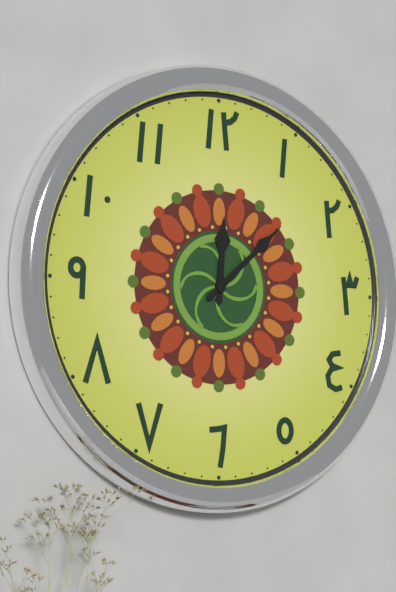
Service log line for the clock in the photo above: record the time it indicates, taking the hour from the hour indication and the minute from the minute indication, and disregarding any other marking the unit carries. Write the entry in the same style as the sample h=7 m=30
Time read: h=12 m=8
